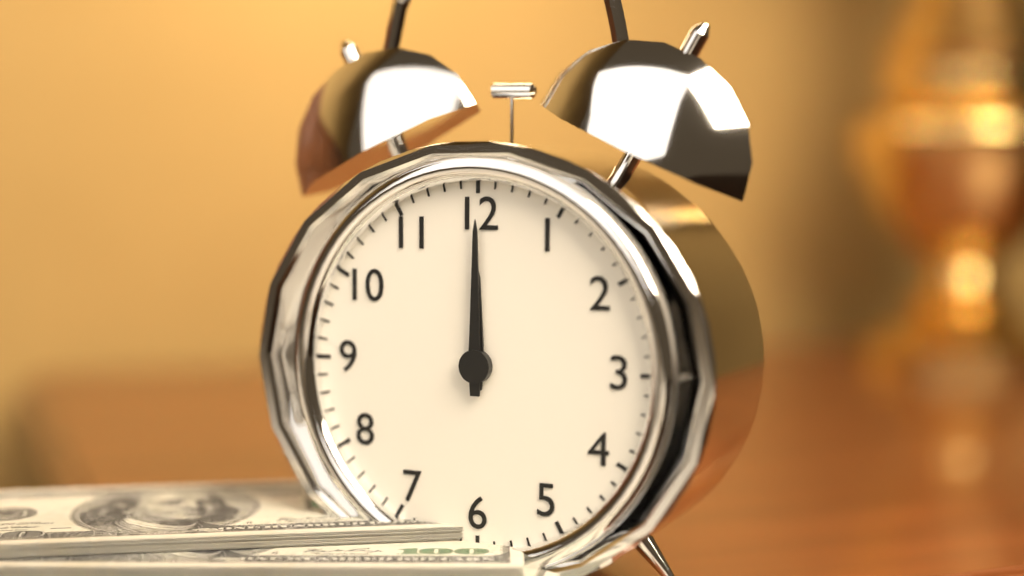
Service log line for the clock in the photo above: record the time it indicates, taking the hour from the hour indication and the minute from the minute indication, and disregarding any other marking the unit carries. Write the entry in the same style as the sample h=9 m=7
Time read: h=12 m=0
